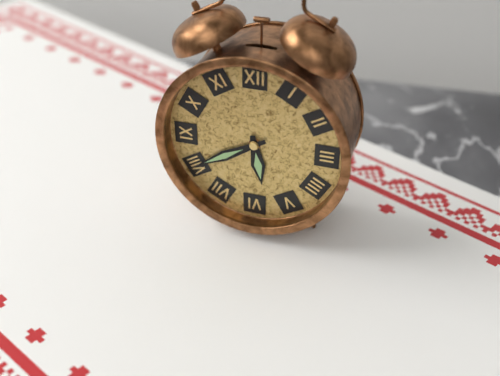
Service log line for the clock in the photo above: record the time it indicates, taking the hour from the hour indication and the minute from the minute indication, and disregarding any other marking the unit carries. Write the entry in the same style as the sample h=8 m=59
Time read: h=5 m=40
